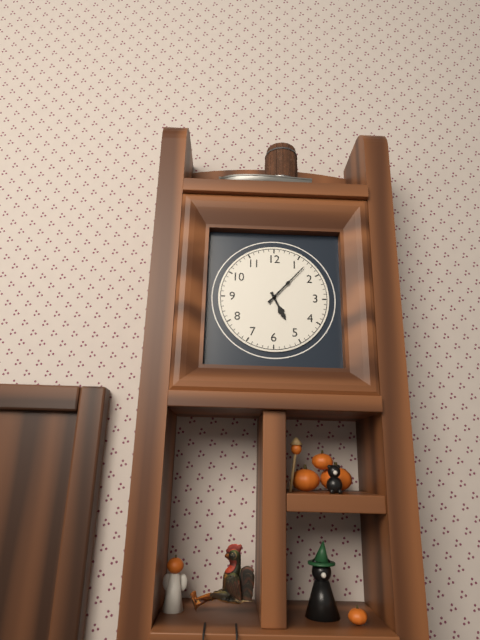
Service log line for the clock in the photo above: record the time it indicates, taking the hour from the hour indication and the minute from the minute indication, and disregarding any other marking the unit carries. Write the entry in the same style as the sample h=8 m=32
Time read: h=5 m=7
